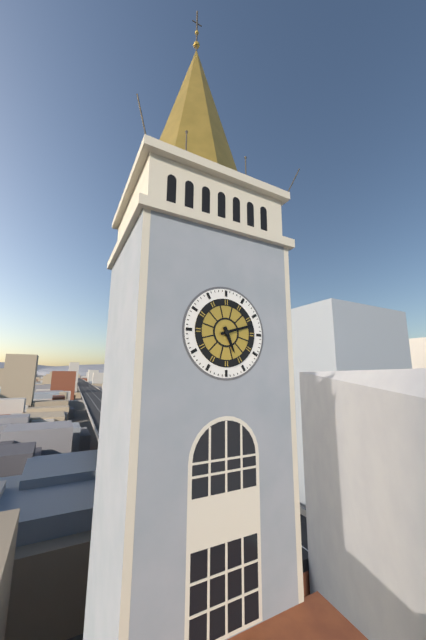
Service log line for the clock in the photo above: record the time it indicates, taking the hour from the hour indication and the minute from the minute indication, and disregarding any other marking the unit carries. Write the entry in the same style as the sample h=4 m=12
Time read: h=5 m=12
